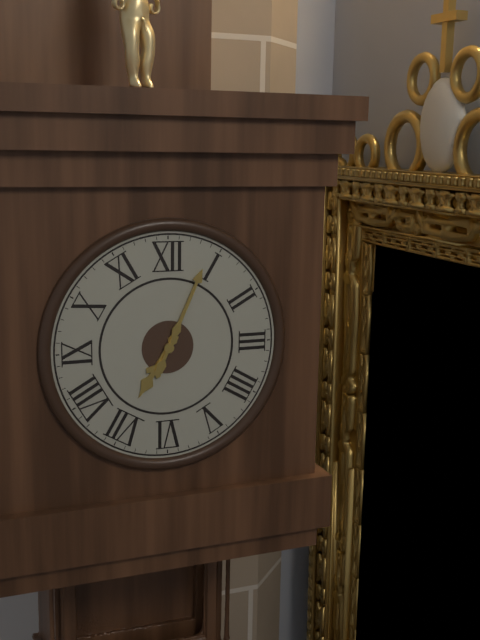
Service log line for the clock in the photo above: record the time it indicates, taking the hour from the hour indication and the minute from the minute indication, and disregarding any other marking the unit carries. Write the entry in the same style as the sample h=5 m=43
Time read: h=7 m=4
